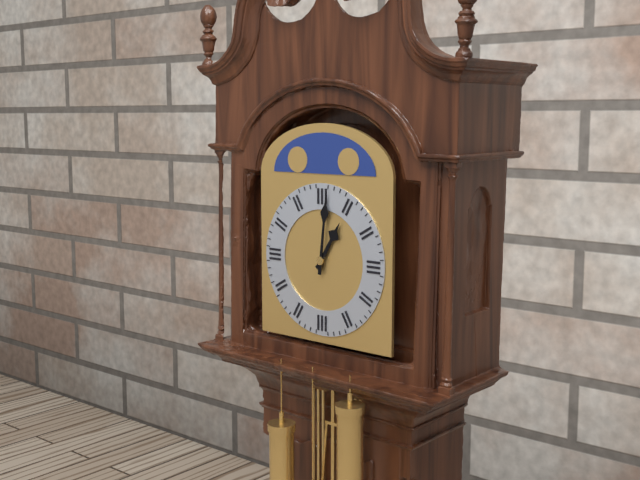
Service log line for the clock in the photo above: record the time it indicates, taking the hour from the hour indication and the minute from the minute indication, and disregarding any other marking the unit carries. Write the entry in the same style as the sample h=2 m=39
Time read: h=1 m=1
